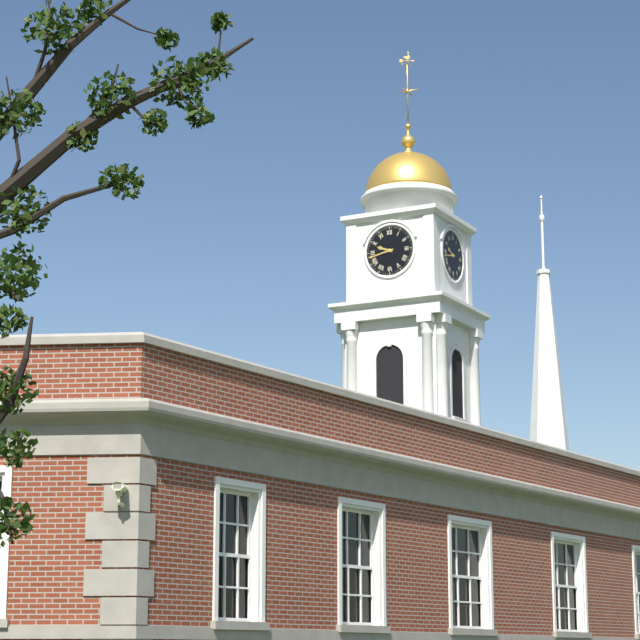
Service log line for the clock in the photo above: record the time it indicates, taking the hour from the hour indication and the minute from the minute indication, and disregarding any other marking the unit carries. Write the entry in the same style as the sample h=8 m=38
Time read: h=9 m=43
